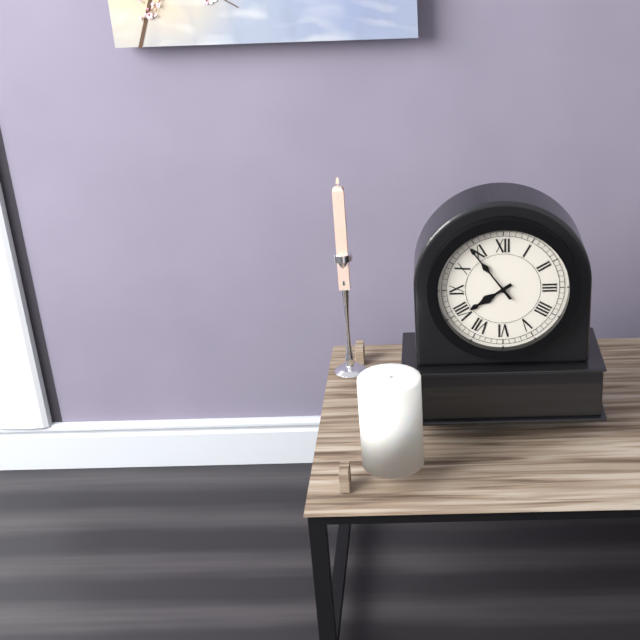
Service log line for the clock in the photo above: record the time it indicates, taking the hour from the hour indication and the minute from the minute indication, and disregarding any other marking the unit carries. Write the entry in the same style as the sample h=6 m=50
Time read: h=7 m=54
